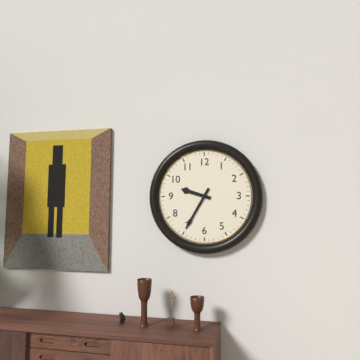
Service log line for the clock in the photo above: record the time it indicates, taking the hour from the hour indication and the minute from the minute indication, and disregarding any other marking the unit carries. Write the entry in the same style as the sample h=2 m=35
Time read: h=9 m=35
